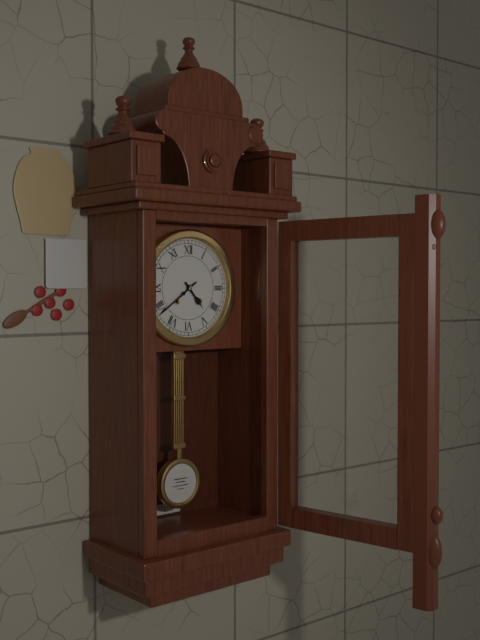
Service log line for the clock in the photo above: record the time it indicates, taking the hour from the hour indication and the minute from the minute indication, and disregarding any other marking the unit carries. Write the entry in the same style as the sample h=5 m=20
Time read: h=4 m=39
